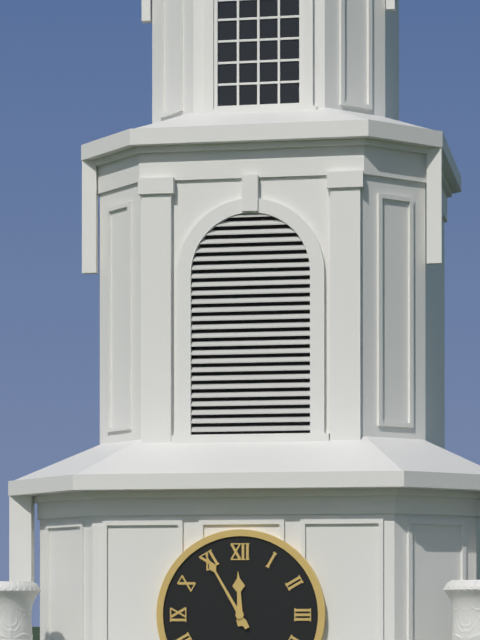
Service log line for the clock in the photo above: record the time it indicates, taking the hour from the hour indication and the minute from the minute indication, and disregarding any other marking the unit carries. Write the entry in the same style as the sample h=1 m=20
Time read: h=11 m=55
